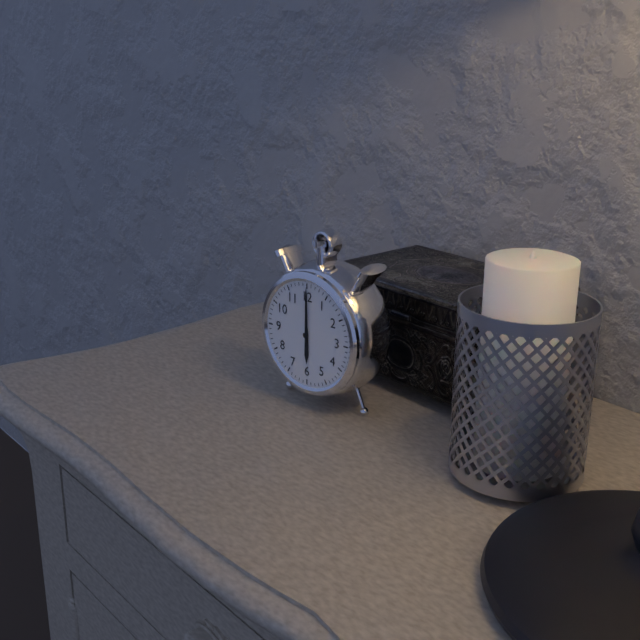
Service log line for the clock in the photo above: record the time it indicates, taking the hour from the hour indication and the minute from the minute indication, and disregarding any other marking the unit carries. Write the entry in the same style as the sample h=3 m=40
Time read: h=6 m=0
